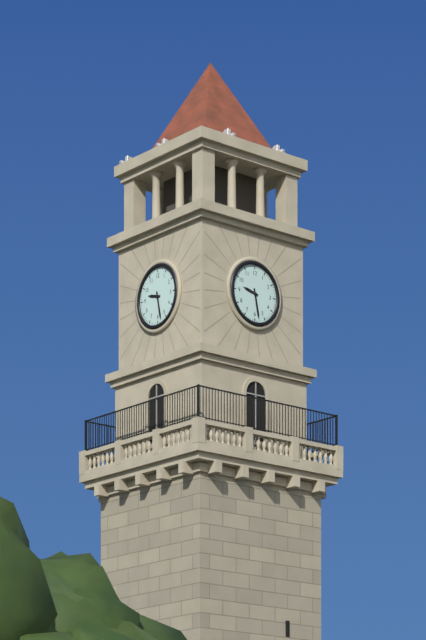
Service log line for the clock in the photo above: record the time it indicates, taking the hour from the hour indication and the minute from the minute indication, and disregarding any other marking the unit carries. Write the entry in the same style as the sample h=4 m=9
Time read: h=9 m=28
